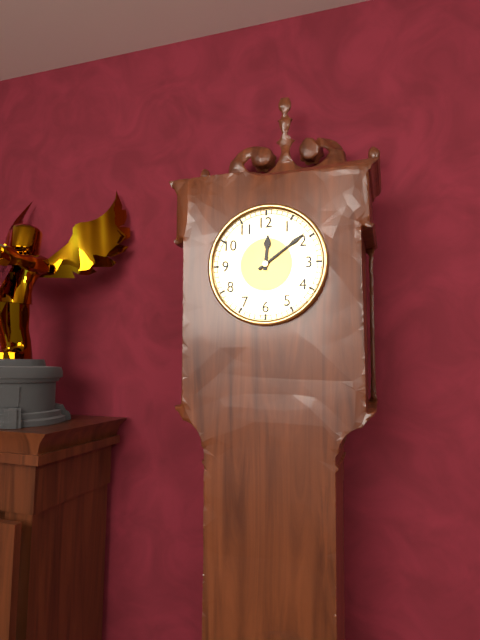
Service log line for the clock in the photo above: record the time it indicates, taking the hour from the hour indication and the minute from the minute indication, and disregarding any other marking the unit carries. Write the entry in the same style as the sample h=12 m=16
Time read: h=12 m=9
